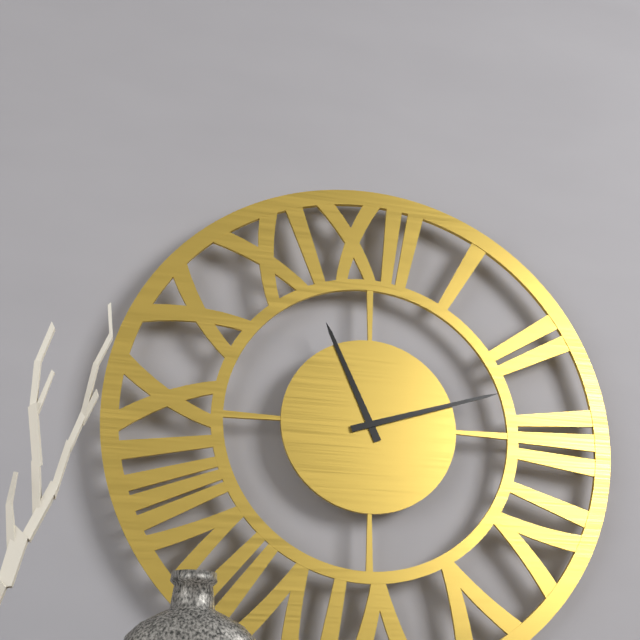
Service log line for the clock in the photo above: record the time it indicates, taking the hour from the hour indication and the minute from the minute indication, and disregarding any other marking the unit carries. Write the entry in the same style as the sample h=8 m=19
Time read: h=11 m=12
